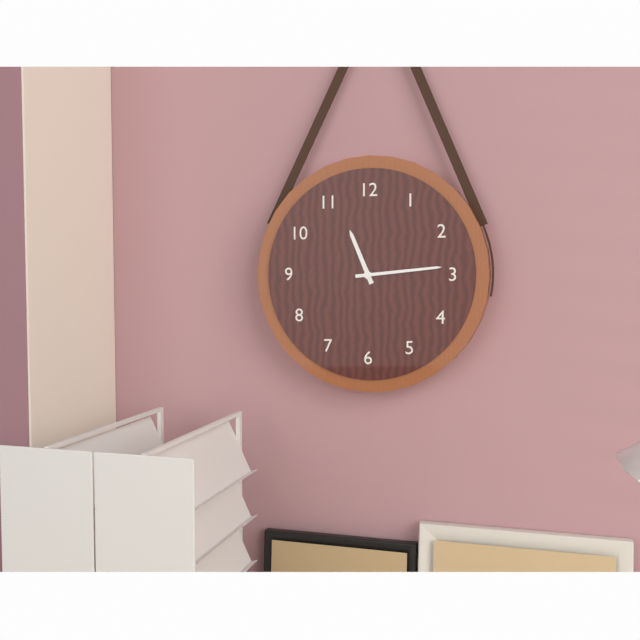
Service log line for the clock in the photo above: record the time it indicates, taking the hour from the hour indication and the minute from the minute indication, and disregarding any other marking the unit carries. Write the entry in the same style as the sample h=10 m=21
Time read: h=11 m=14
